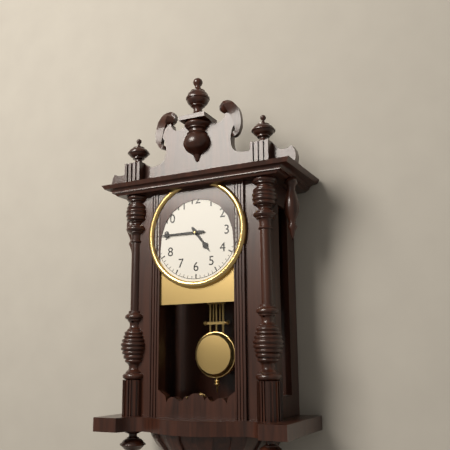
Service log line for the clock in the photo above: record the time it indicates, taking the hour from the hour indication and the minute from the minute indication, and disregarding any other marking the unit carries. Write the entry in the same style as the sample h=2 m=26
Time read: h=4 m=45
